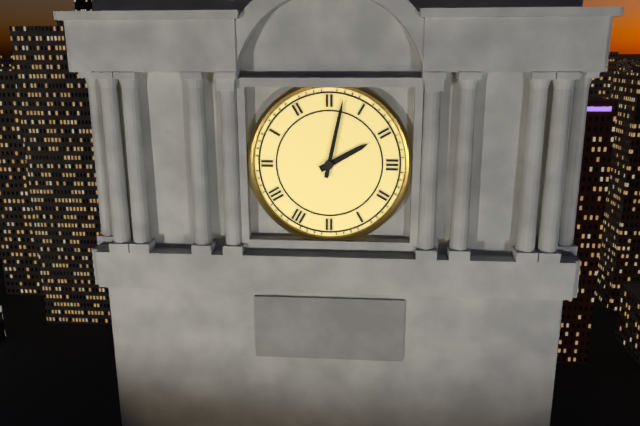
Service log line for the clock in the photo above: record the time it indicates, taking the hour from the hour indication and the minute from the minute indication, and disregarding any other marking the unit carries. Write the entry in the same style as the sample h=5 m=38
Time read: h=2 m=2
